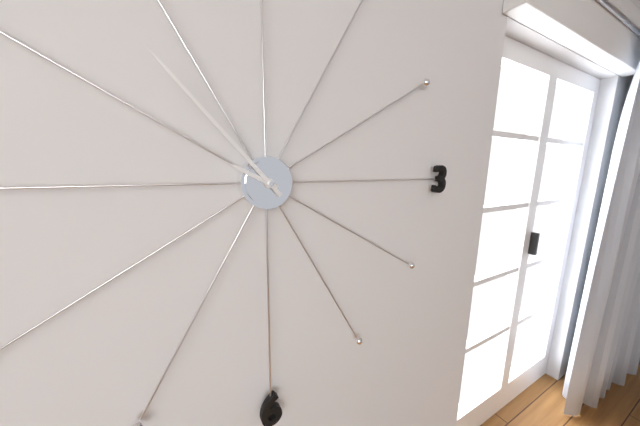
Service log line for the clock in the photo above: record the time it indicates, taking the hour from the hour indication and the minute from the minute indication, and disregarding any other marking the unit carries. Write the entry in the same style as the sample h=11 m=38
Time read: h=9 m=53
